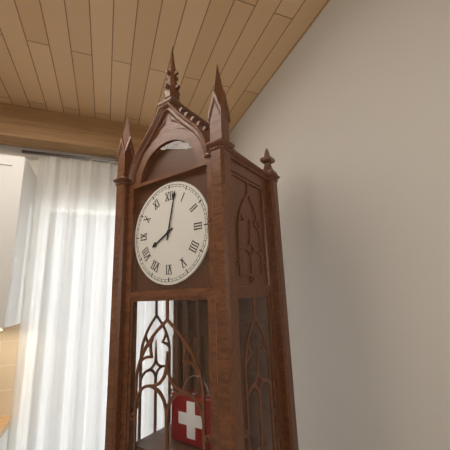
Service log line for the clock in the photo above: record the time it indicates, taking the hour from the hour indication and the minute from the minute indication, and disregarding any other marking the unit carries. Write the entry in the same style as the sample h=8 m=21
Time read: h=8 m=2
